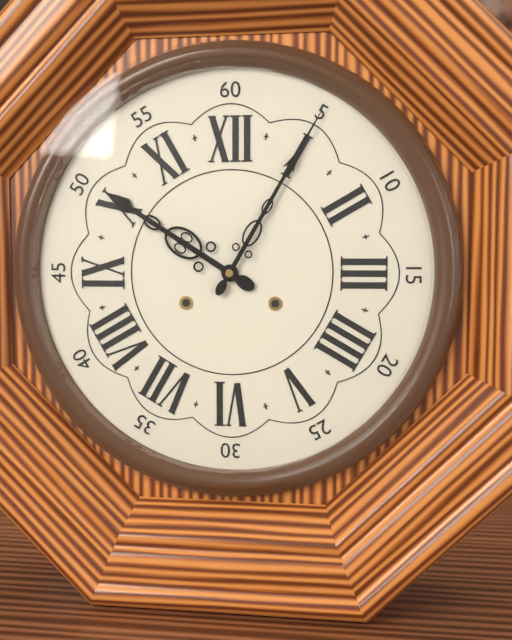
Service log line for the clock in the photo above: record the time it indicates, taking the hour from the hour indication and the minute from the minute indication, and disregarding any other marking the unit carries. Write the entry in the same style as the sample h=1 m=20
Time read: h=10 m=5
